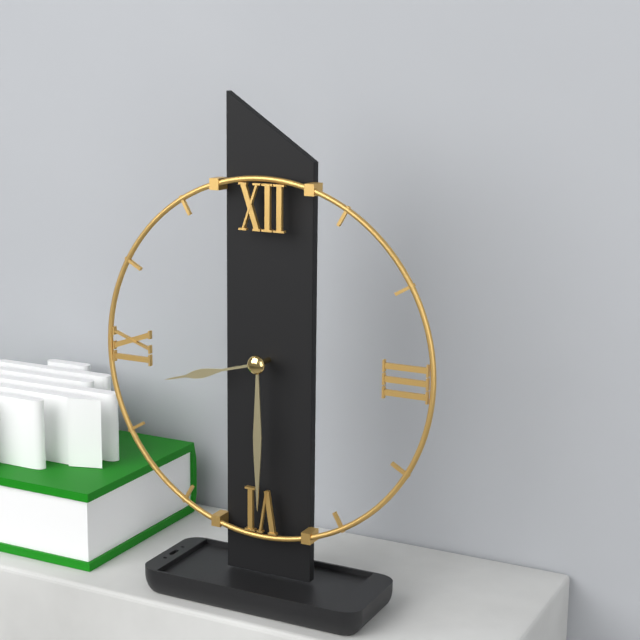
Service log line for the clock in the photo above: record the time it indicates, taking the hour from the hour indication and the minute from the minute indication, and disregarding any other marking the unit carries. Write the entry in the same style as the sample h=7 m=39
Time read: h=8 m=30
